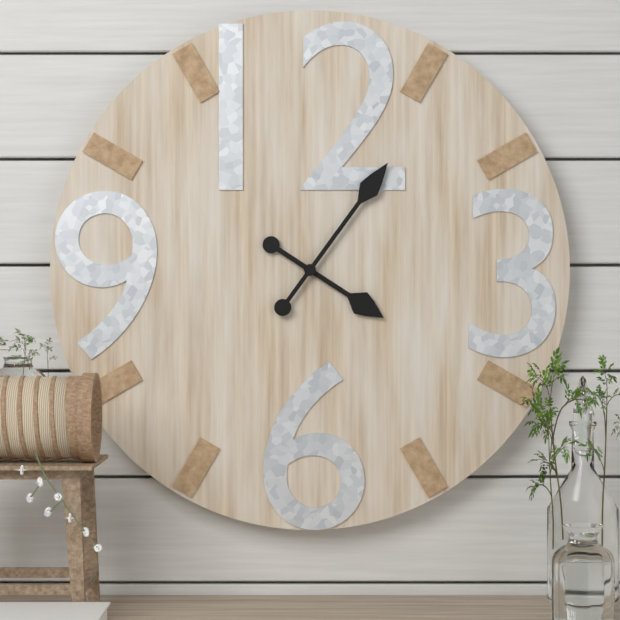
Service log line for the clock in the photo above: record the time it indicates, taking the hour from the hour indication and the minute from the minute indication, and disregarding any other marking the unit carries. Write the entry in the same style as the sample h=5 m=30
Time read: h=4 m=6
